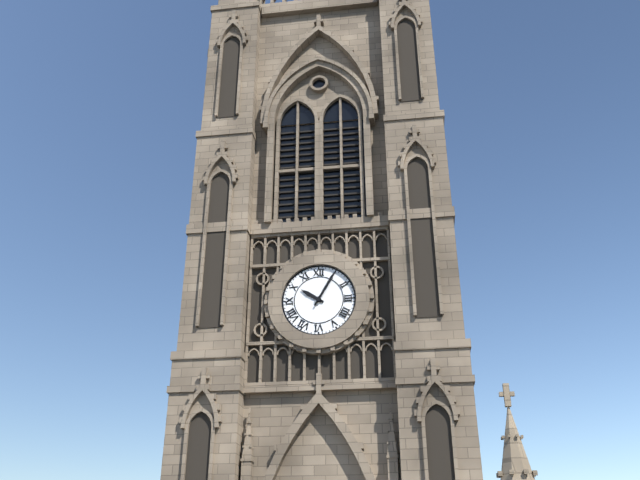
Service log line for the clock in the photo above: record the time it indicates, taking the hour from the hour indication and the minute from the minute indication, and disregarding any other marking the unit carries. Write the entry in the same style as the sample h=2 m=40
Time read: h=10 m=5
